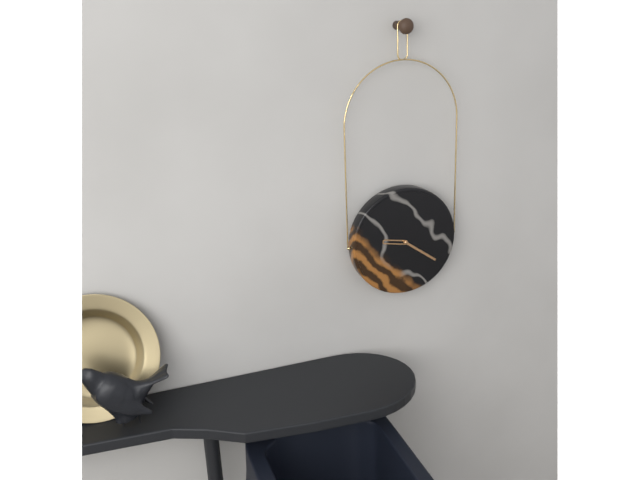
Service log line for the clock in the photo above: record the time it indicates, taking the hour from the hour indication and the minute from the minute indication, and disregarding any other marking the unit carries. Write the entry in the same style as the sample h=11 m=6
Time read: h=9 m=21
